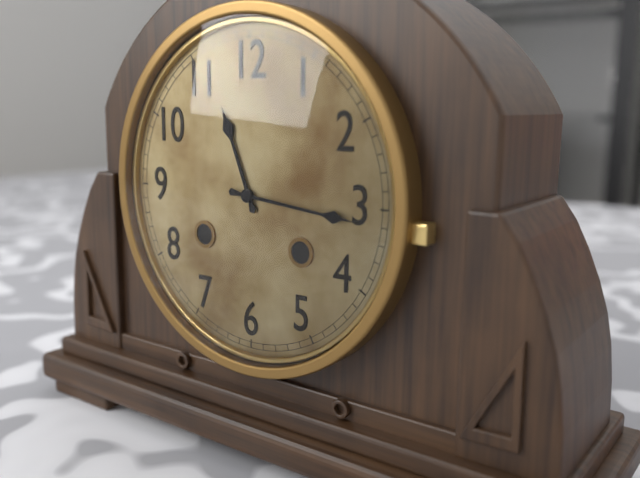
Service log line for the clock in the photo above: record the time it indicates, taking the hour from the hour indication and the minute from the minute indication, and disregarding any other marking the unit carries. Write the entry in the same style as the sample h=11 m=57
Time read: h=11 m=16
